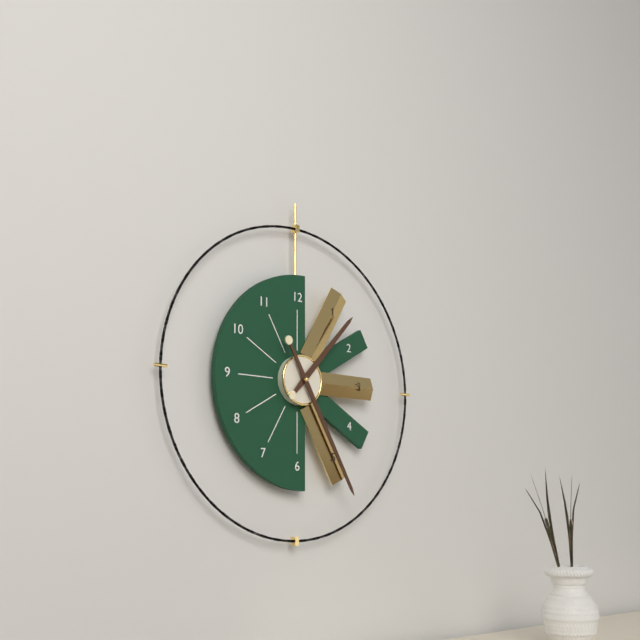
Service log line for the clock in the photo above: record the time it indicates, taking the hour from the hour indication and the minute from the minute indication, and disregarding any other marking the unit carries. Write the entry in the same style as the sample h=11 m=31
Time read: h=1 m=25
